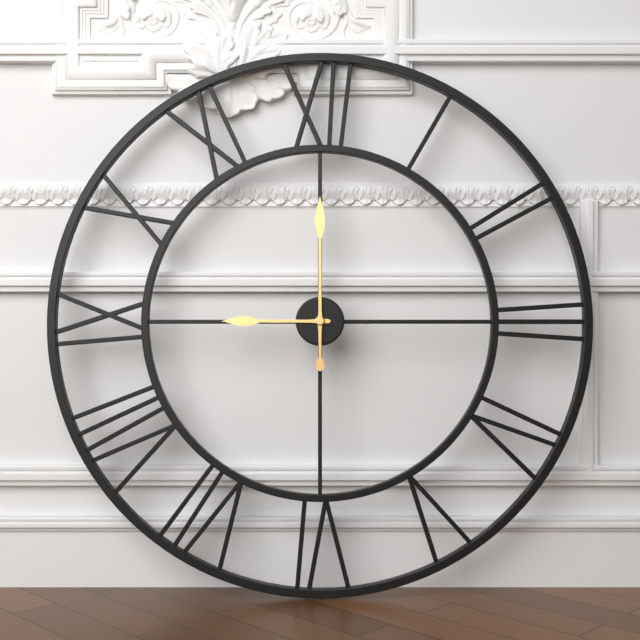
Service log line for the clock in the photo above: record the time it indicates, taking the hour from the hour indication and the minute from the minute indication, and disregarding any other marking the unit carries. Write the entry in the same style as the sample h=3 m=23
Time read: h=9 m=0
